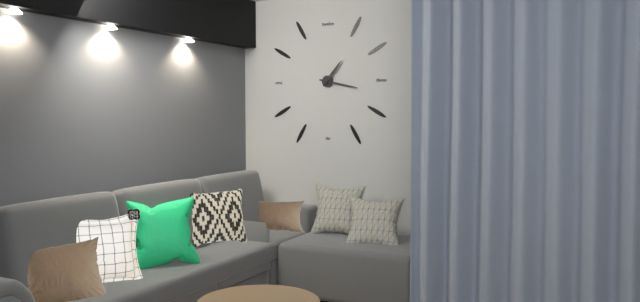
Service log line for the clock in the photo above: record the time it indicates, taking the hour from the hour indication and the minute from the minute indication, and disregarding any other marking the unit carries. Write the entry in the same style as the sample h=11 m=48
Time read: h=1 m=17
